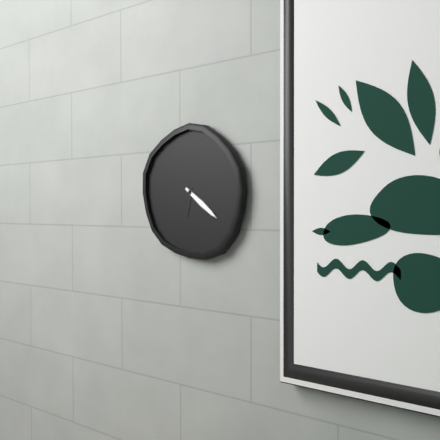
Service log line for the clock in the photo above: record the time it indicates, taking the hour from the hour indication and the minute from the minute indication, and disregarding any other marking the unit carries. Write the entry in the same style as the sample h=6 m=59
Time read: h=6 m=21
